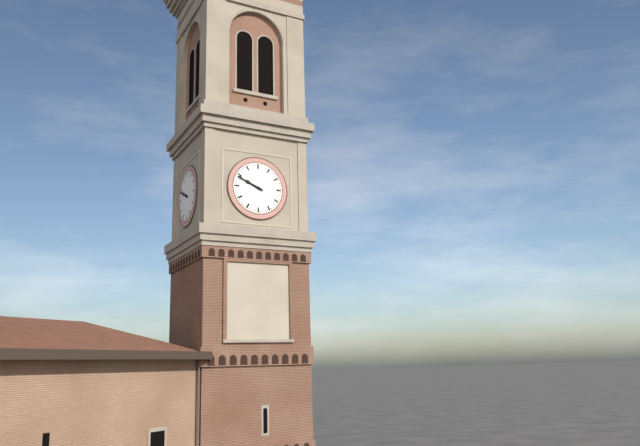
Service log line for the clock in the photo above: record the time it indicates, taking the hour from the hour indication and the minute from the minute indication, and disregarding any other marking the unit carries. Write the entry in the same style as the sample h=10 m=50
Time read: h=9 m=49
